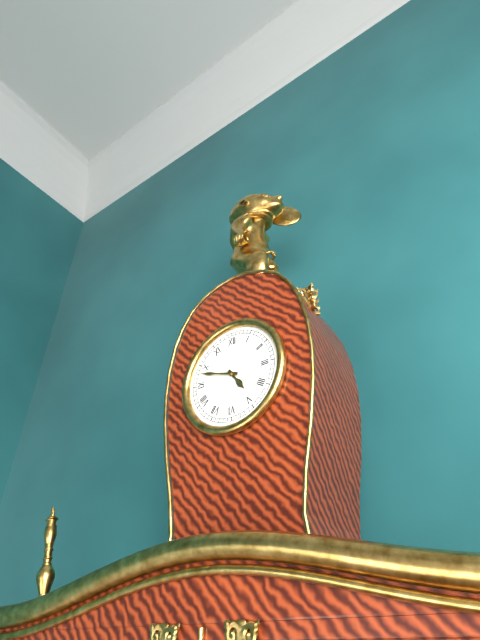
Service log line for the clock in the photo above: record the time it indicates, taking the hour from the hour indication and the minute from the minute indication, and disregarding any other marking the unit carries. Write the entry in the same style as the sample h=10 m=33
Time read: h=4 m=48
